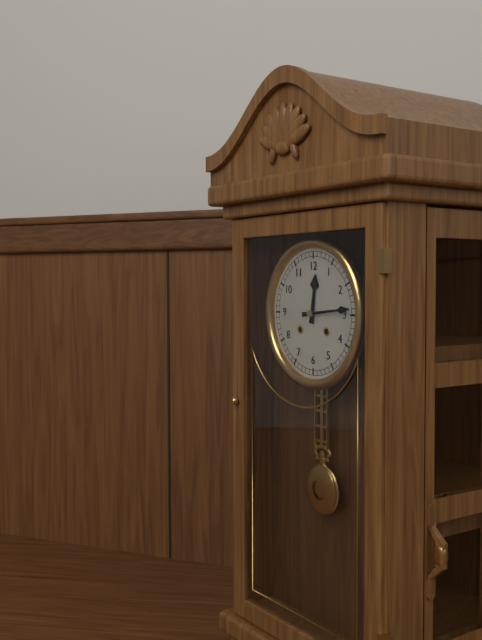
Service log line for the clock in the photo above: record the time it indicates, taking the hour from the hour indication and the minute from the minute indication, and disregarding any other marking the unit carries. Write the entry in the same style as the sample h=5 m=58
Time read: h=12 m=14
